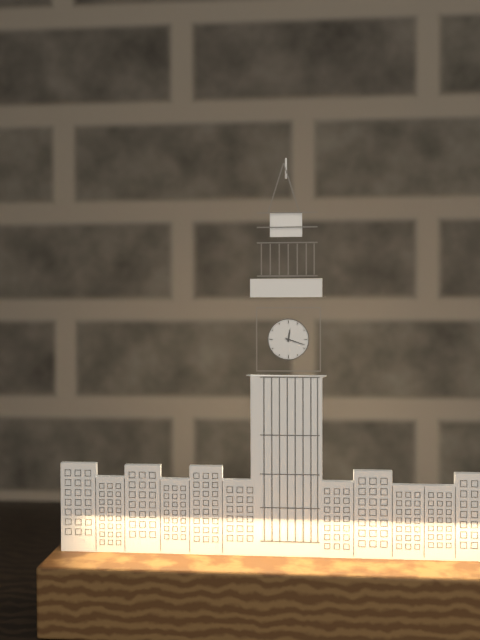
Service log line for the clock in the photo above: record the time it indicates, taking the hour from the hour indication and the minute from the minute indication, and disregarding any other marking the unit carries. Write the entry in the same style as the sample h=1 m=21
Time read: h=12 m=18
